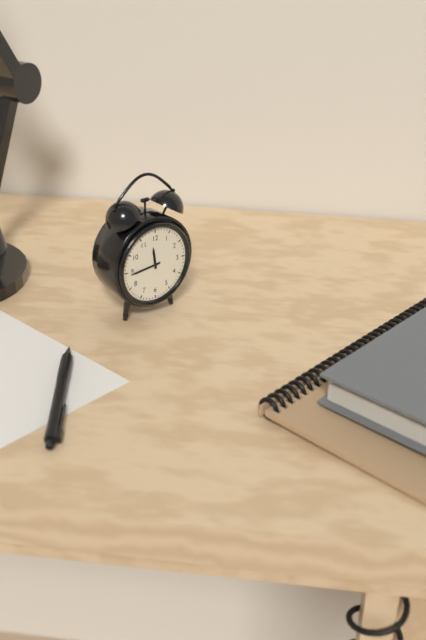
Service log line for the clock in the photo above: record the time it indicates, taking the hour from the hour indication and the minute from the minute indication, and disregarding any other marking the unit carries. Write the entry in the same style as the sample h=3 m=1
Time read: h=11 m=44
